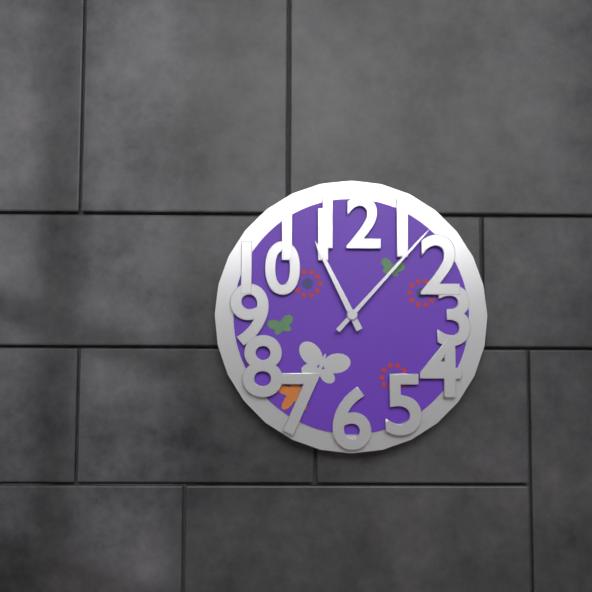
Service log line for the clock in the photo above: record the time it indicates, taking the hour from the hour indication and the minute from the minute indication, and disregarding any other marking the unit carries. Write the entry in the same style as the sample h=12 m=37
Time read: h=11 m=7
